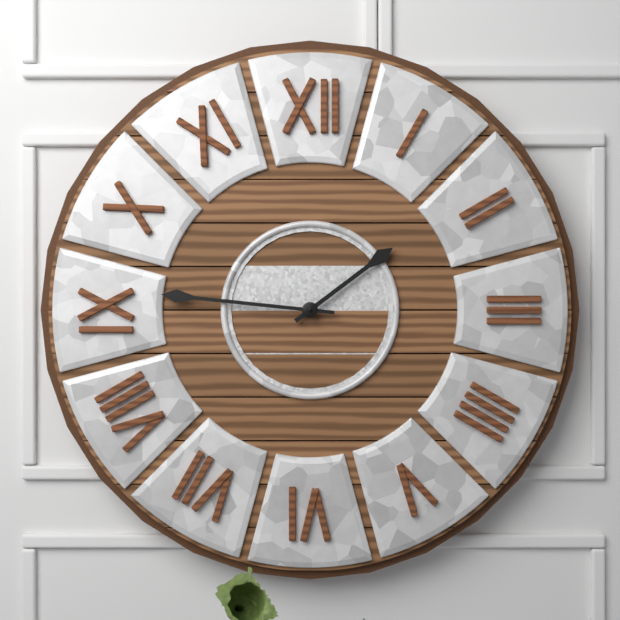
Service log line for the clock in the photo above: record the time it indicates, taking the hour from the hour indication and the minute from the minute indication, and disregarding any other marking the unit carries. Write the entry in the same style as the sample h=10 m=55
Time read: h=1 m=46
